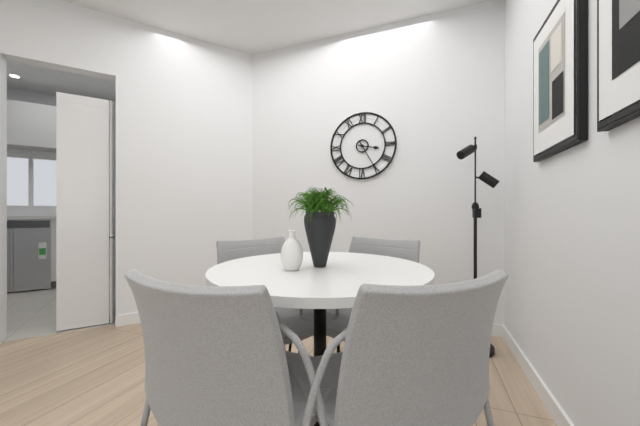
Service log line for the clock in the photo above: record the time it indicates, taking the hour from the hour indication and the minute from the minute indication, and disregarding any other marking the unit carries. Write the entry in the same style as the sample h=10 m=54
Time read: h=3 m=25
